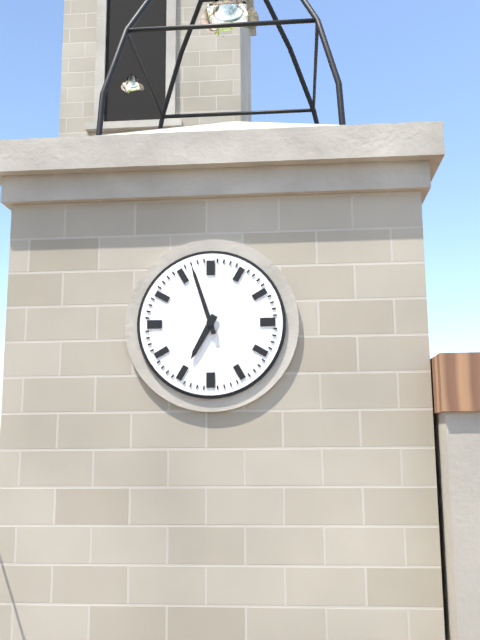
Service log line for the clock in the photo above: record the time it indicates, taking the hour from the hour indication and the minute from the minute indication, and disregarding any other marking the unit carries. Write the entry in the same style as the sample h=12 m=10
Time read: h=6 m=57
